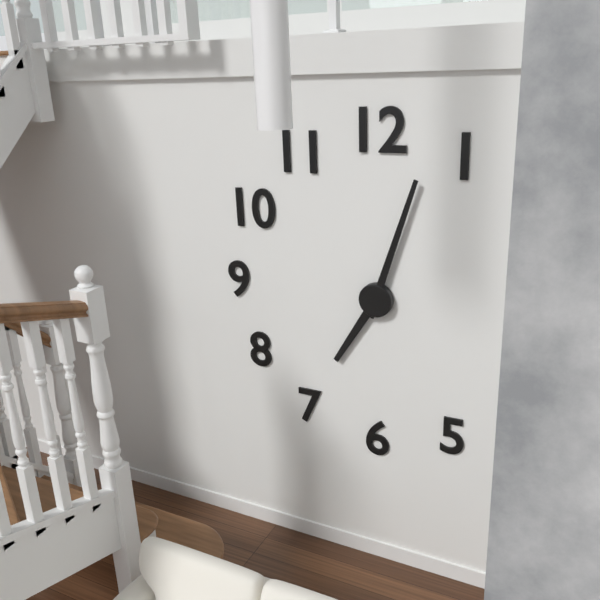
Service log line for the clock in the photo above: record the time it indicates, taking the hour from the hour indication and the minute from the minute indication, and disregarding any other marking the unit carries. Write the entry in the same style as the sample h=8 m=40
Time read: h=7 m=3
